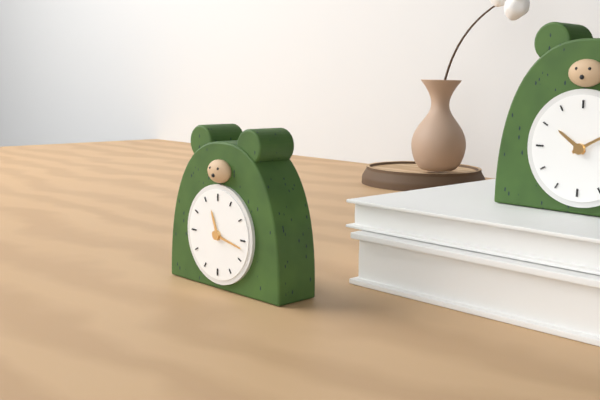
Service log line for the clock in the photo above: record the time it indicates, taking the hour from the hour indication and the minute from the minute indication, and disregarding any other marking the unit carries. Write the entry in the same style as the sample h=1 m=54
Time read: h=11 m=17
